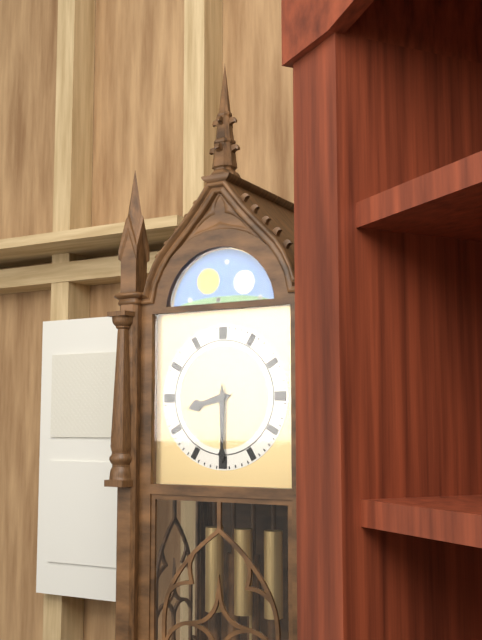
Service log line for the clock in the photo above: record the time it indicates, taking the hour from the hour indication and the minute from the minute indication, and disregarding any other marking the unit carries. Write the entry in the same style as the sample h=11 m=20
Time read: h=8 m=30
